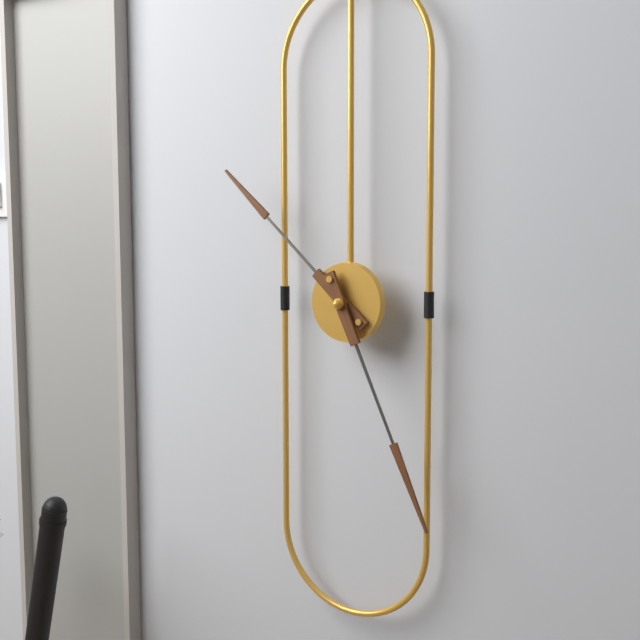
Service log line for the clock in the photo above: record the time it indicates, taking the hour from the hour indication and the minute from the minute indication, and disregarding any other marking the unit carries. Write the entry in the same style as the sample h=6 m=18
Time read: h=10 m=26
